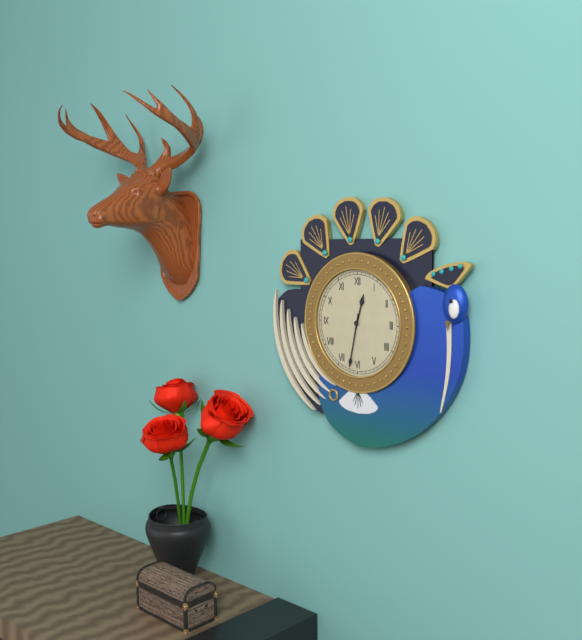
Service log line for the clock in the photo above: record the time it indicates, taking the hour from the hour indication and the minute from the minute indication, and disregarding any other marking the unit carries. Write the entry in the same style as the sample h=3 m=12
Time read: h=12 m=32
